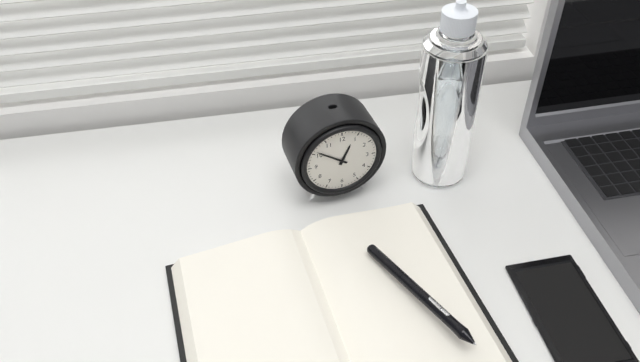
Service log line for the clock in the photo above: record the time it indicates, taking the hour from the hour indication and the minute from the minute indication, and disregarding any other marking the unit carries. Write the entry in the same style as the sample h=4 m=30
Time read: h=12 m=51
